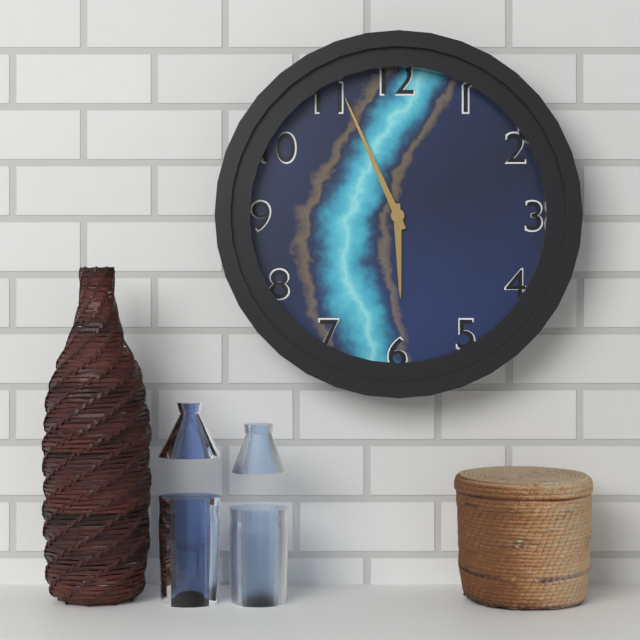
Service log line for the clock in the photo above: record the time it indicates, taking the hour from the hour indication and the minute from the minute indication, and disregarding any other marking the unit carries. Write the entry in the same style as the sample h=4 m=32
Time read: h=5 m=56
